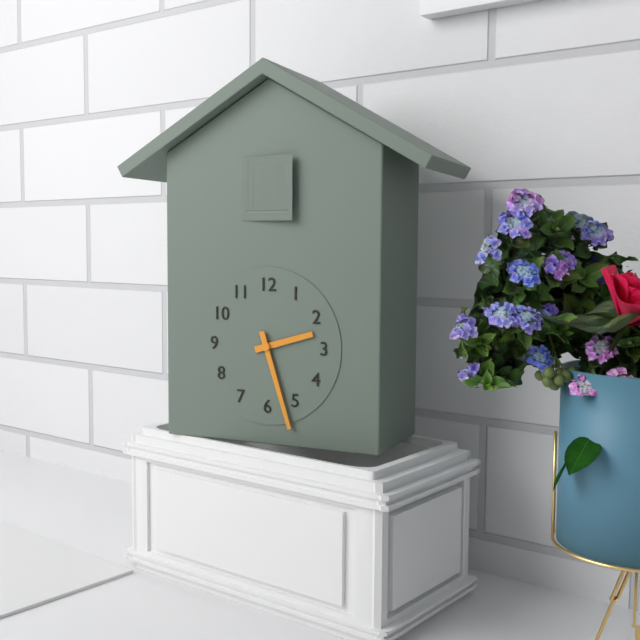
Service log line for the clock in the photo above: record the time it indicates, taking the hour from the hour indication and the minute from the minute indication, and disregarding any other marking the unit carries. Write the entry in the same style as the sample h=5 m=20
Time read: h=2 m=27
